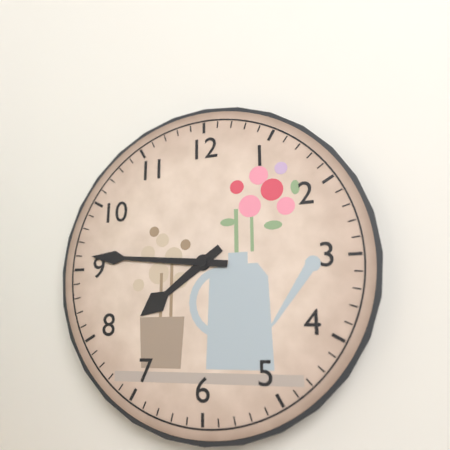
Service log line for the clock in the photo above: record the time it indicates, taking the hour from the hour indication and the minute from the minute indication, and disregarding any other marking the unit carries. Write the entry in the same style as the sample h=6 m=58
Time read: h=7 m=46
